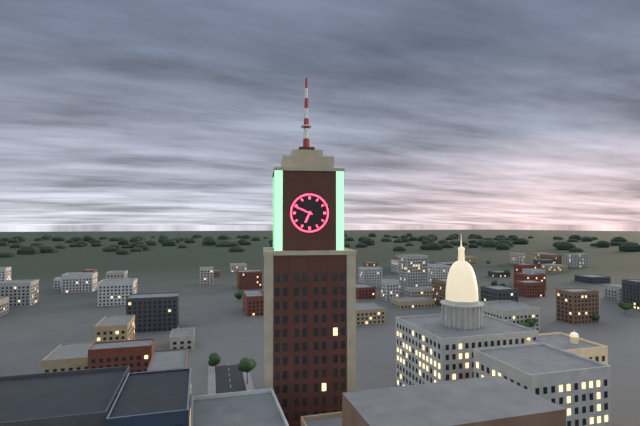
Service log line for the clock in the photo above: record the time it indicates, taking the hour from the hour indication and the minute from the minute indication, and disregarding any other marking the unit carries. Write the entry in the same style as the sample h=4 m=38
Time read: h=6 m=49
